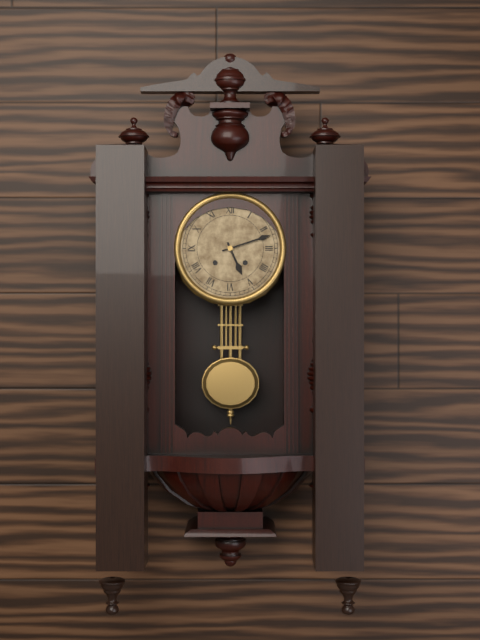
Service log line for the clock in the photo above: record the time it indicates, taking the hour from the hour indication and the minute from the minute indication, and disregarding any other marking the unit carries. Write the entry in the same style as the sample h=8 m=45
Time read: h=5 m=12
